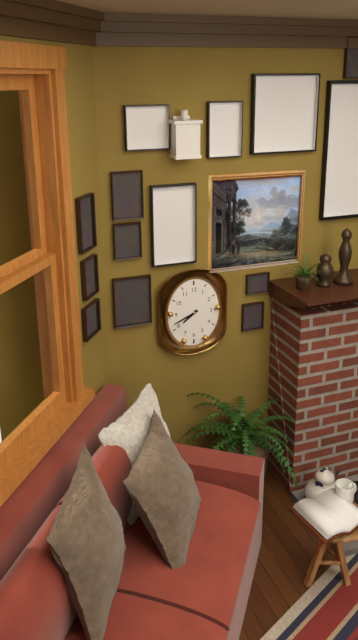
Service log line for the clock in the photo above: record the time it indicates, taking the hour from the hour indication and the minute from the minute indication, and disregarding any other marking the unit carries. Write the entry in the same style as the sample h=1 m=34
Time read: h=7 m=41
